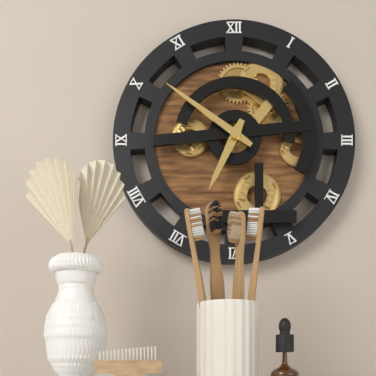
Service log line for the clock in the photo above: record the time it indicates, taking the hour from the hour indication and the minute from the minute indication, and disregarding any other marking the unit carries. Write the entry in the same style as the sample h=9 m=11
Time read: h=6 m=51
